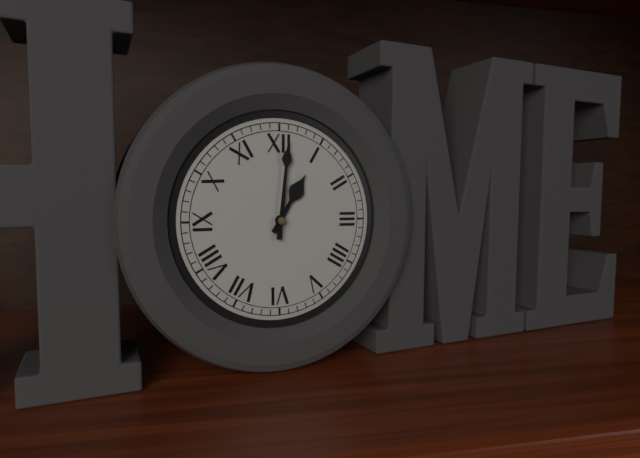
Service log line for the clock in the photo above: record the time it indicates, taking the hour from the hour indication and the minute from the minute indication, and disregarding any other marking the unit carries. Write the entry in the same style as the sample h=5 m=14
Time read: h=1 m=1
